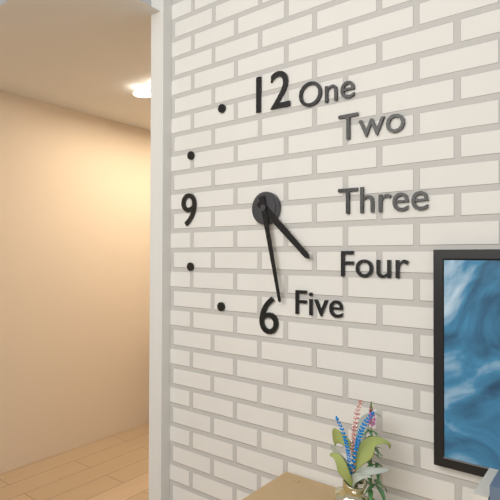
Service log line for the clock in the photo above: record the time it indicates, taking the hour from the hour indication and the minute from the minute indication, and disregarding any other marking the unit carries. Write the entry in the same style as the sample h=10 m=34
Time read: h=4 m=28
